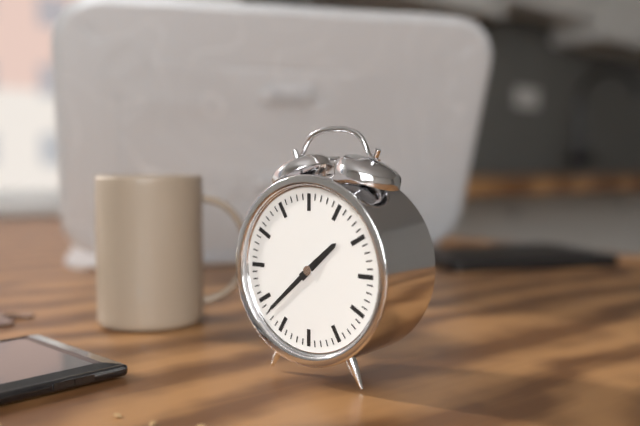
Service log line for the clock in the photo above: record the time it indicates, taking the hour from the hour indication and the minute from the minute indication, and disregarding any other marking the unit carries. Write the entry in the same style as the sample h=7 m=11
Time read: h=1 m=38
